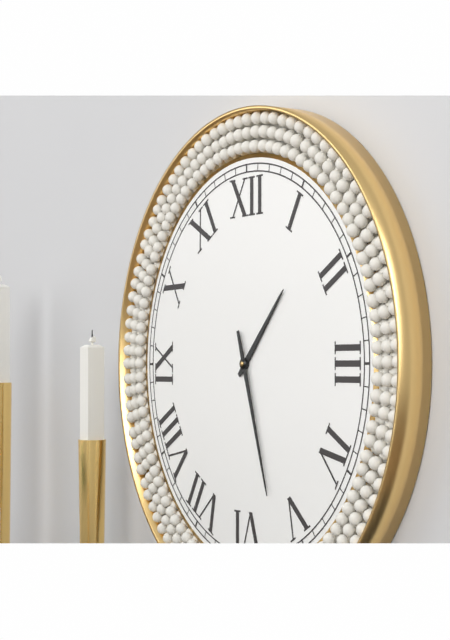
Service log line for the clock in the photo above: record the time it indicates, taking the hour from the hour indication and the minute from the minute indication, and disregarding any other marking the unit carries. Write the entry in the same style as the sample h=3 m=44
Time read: h=1 m=27
